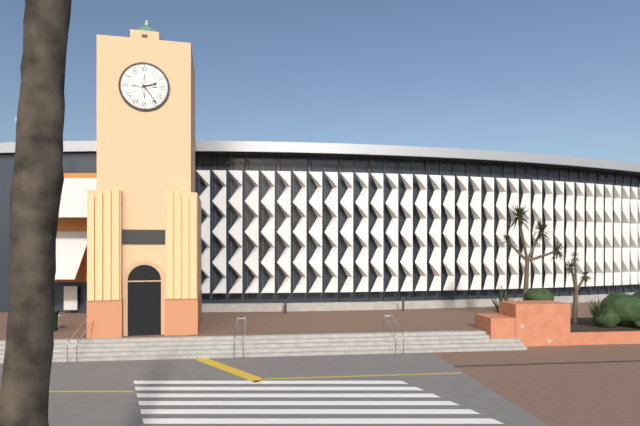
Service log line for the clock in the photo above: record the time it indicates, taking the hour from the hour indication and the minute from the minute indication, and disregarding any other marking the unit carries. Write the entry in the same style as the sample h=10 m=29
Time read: h=2 m=24
